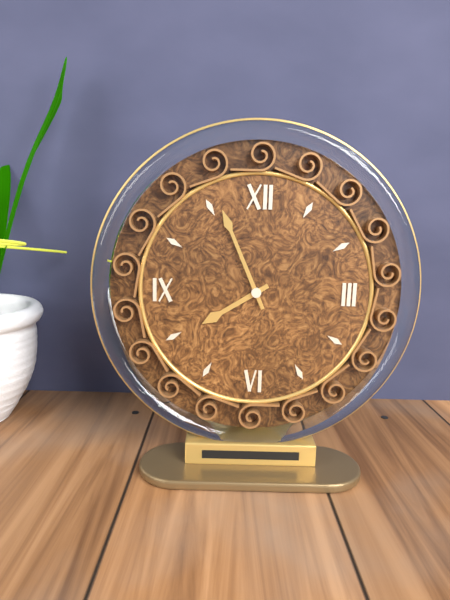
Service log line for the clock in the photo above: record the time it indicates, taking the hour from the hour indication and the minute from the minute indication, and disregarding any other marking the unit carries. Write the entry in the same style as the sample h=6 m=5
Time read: h=7 m=56
